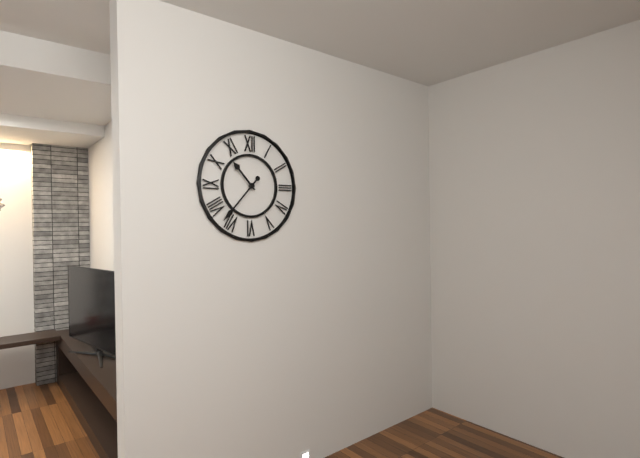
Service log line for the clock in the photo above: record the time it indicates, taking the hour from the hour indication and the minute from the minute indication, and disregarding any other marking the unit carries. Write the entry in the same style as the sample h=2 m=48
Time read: h=10 m=37
